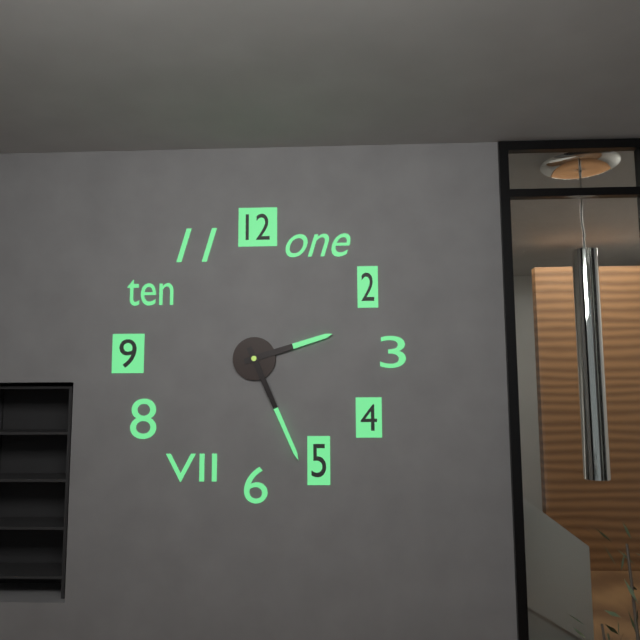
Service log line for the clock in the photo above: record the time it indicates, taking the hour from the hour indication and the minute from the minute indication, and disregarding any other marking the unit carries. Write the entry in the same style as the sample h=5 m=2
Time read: h=2 m=26
